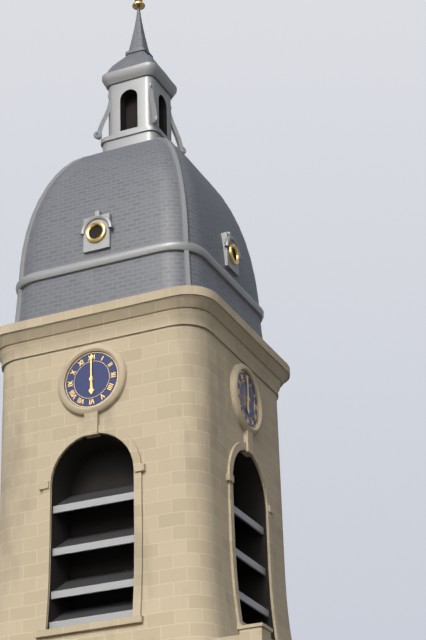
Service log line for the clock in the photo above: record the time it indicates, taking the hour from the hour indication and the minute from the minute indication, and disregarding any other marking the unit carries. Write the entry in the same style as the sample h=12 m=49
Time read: h=6 m=0
